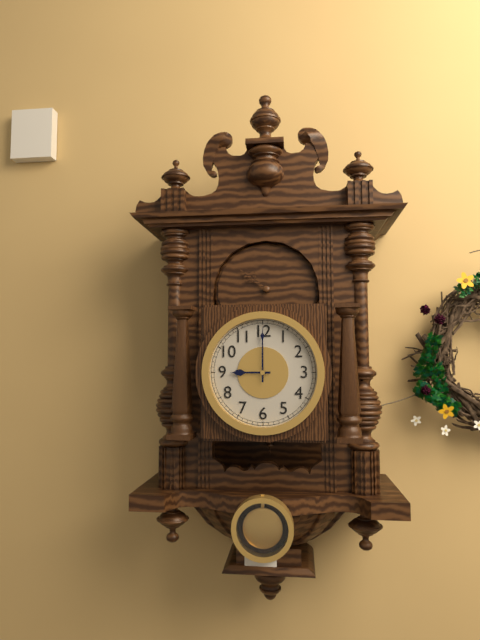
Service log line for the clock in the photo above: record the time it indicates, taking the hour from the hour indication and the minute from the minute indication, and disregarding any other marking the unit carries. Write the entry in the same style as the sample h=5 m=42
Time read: h=9 m=0
